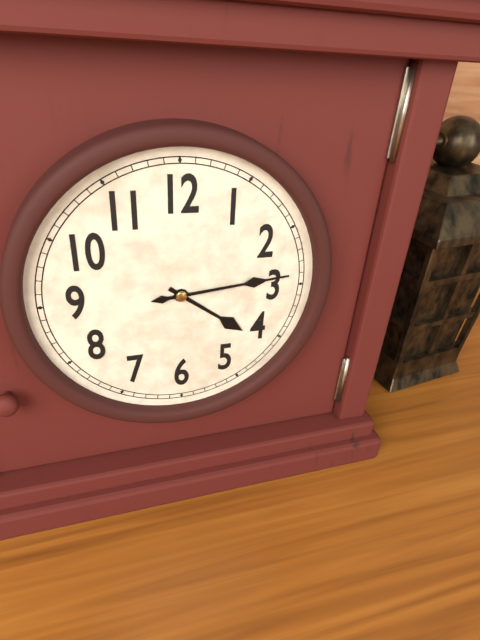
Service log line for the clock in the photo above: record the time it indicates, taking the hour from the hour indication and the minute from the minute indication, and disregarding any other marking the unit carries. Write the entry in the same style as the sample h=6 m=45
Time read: h=4 m=14
